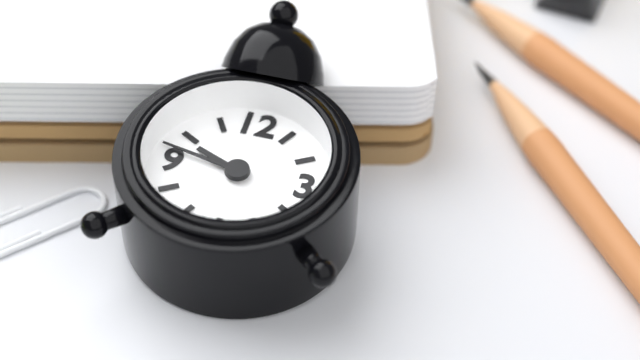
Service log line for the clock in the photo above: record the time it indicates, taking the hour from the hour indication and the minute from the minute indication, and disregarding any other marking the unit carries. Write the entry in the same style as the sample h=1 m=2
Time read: h=9 m=47
